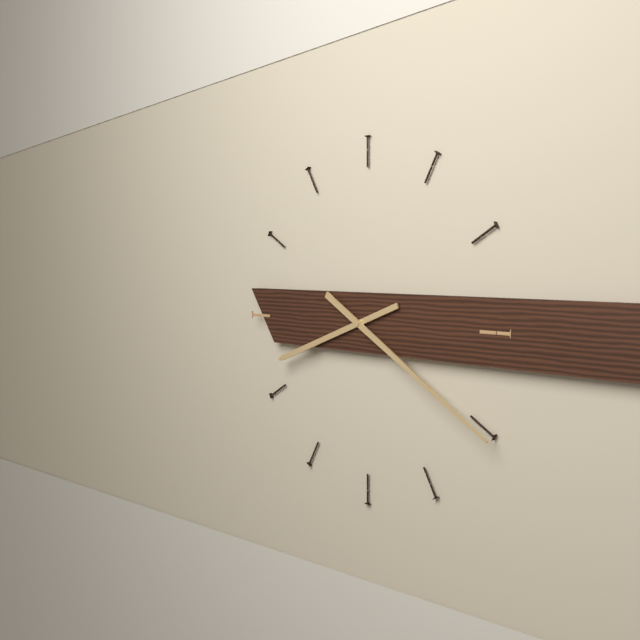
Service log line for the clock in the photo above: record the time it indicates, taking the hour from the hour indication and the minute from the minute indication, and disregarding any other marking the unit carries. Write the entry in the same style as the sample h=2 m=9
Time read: h=8 m=20
